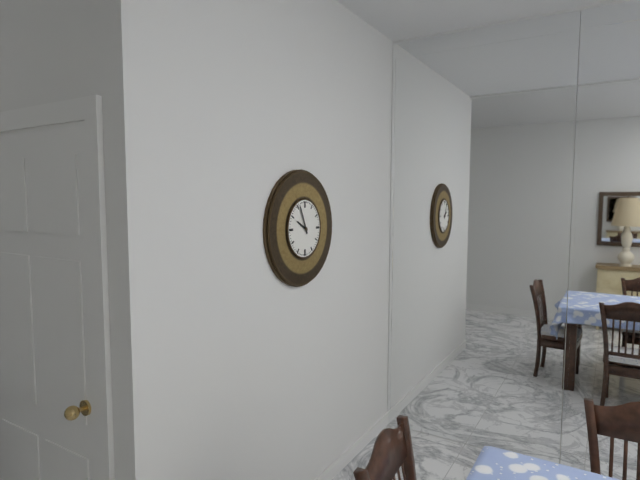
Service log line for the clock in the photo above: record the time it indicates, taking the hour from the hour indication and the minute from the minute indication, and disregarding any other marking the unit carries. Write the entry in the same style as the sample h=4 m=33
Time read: h=9 m=56
